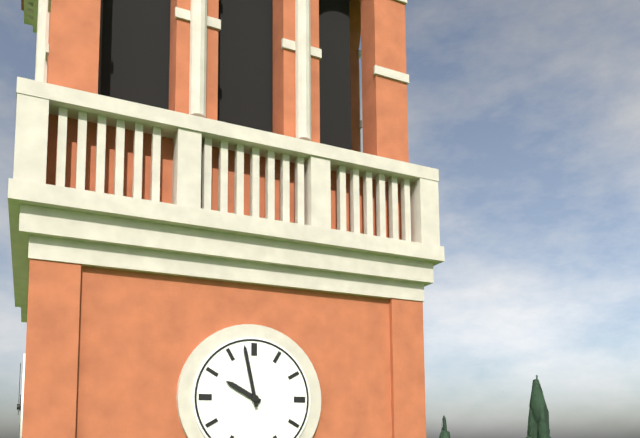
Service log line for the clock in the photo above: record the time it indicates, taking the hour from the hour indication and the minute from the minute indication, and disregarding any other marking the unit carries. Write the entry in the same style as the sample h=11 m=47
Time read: h=9 m=58
